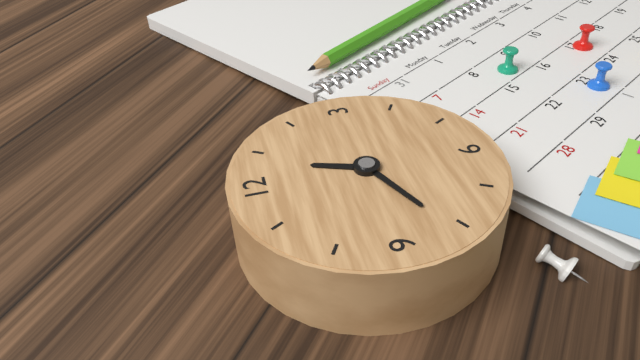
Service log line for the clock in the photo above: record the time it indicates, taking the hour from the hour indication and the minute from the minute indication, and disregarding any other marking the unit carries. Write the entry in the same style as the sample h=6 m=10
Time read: h=12 m=41
